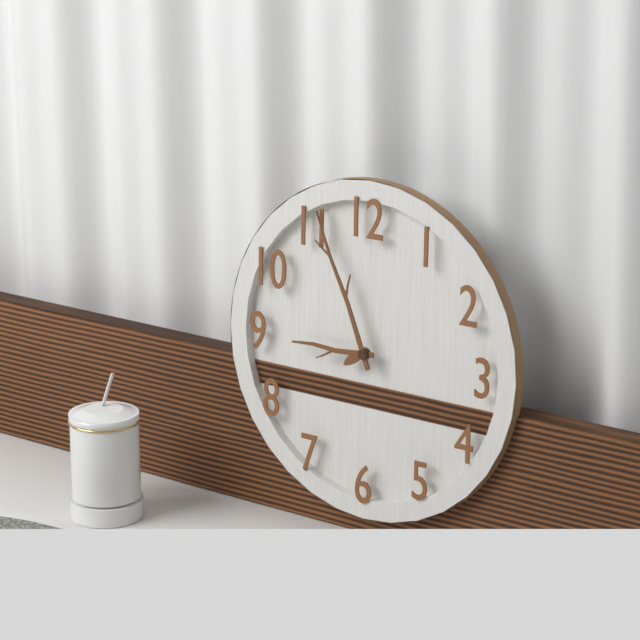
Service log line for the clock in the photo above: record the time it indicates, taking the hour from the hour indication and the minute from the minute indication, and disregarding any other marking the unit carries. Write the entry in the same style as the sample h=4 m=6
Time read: h=8 m=56
